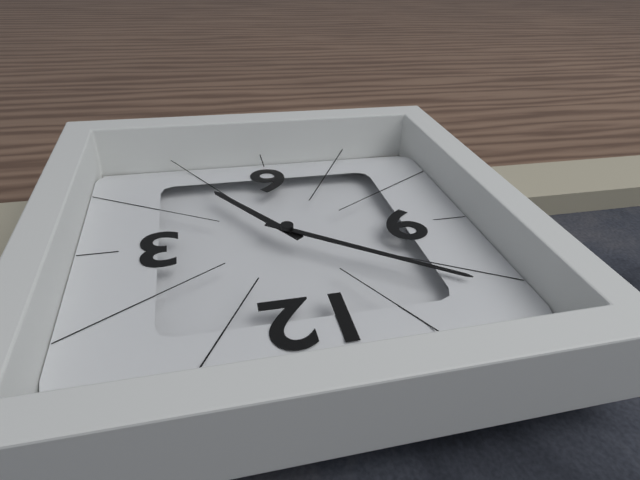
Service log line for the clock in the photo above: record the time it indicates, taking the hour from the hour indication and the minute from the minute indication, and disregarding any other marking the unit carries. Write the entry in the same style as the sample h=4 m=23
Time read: h=4 m=51
